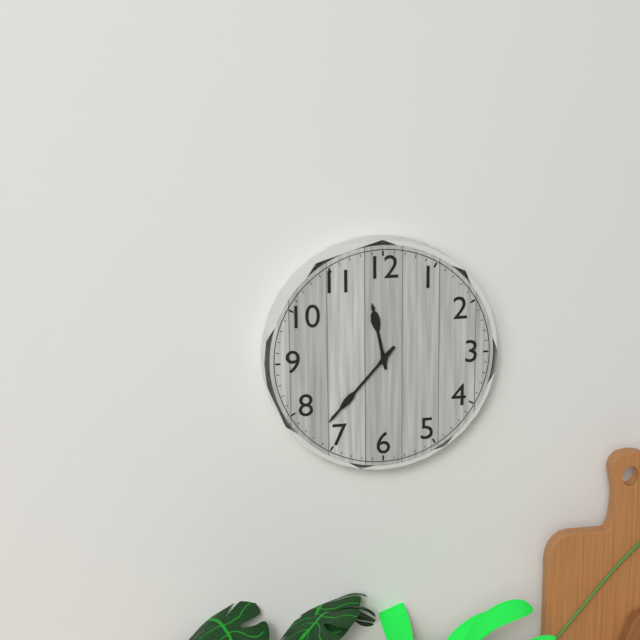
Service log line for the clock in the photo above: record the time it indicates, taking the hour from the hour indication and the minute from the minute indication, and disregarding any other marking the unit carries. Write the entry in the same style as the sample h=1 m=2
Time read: h=11 m=37
